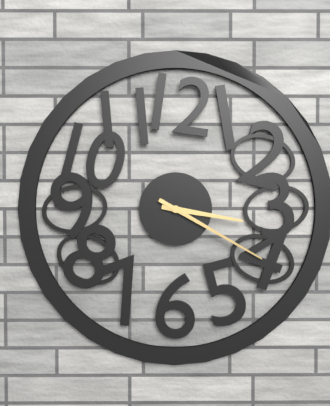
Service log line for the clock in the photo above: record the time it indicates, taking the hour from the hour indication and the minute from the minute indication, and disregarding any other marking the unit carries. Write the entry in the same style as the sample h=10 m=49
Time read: h=3 m=20
